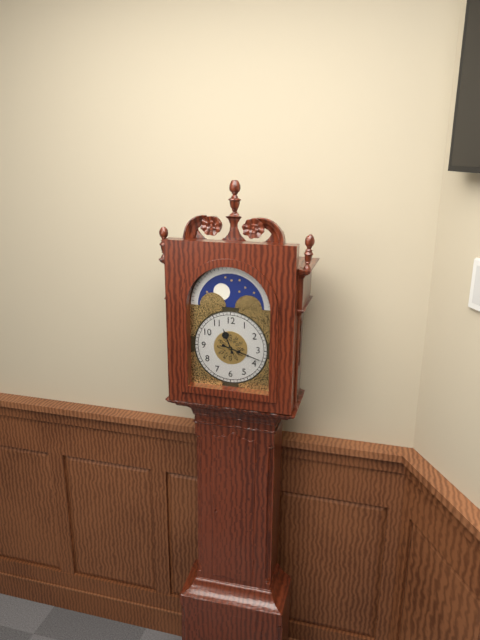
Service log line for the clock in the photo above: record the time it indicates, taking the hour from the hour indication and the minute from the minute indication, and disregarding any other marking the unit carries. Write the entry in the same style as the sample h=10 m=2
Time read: h=11 m=18
